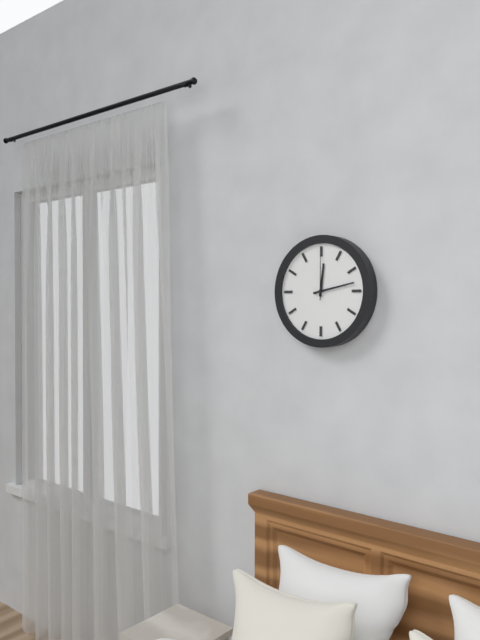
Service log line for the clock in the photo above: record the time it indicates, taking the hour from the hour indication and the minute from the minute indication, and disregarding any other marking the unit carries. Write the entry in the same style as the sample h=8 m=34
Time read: h=12 m=13
